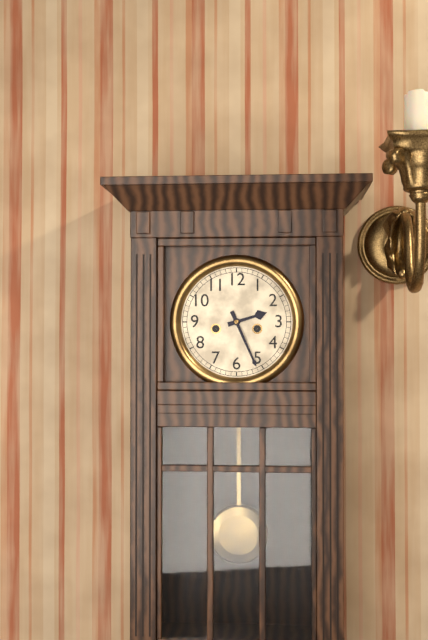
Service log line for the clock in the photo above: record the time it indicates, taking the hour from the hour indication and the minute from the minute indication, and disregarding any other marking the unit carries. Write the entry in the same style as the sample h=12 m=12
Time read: h=2 m=26
